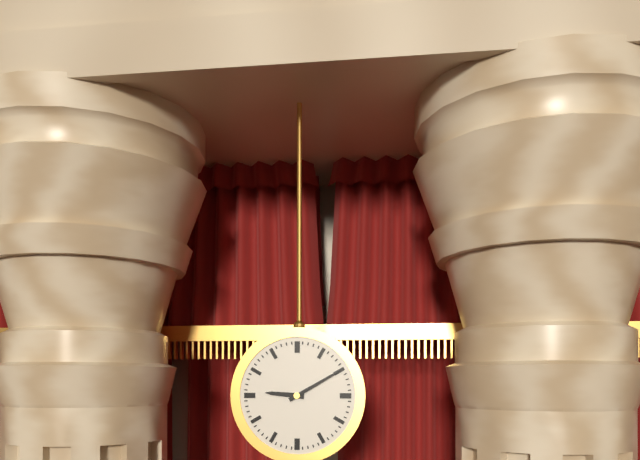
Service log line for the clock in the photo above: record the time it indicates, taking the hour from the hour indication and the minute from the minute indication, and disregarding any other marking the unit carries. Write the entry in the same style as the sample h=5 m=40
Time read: h=9 m=10
